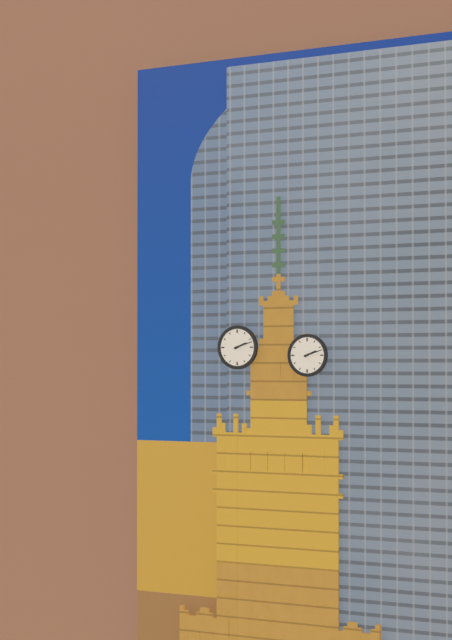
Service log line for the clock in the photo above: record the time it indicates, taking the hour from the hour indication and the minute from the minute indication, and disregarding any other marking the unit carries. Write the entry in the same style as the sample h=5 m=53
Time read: h=2 m=12
